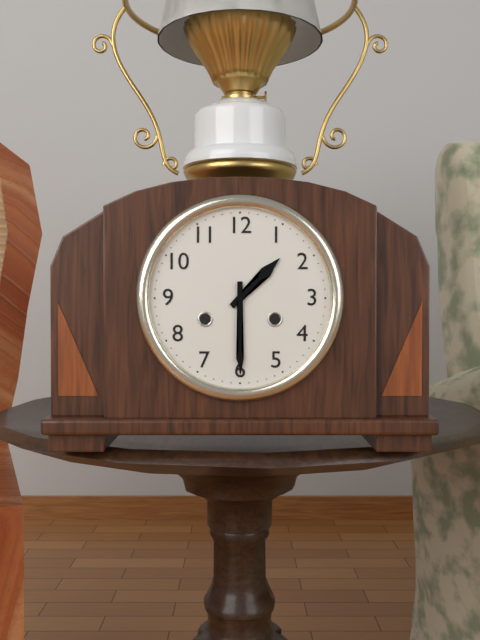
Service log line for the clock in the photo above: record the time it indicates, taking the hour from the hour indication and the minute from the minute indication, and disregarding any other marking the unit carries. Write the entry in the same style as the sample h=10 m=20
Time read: h=1 m=30
